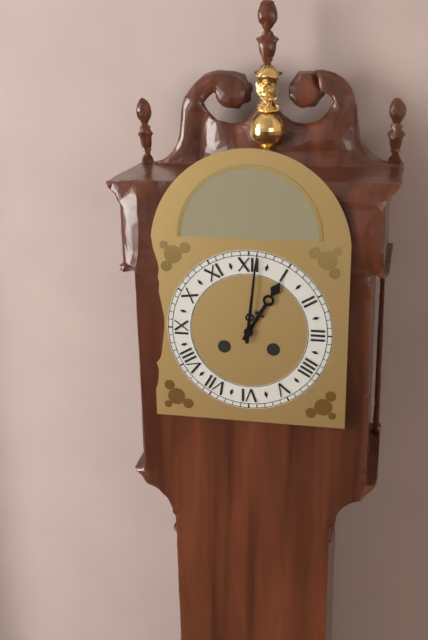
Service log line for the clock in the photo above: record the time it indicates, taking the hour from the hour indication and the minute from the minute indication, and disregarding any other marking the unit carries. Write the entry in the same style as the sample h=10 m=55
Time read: h=1 m=1
